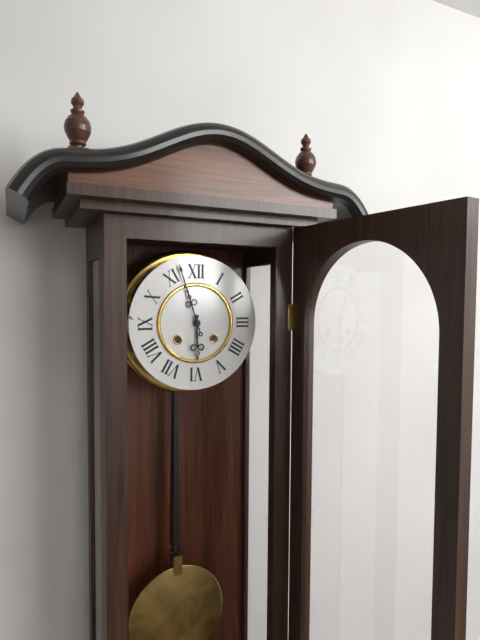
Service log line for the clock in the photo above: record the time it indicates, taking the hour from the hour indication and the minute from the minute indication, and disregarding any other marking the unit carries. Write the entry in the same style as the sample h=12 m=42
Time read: h=5 m=57
